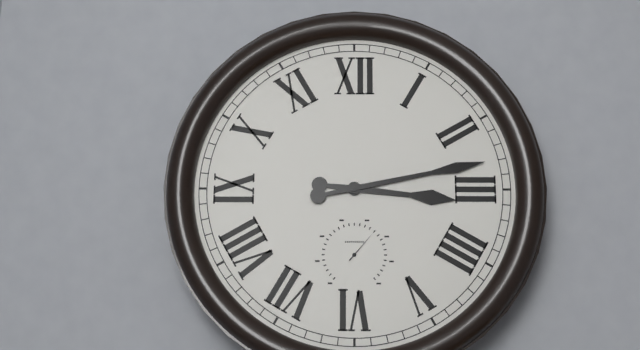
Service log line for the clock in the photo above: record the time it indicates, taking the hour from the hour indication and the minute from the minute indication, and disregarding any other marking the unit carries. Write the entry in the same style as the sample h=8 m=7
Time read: h=3 m=13
